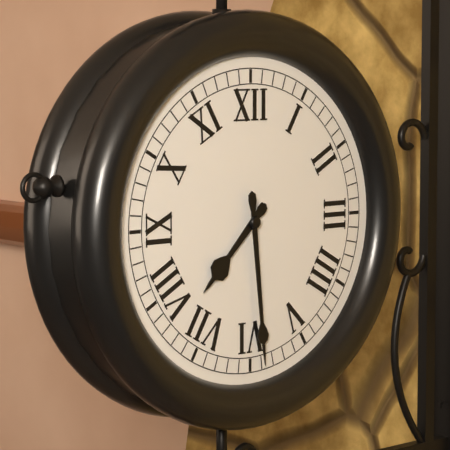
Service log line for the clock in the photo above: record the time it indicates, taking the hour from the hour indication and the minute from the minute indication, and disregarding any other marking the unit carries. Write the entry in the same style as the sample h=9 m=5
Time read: h=7 m=29
